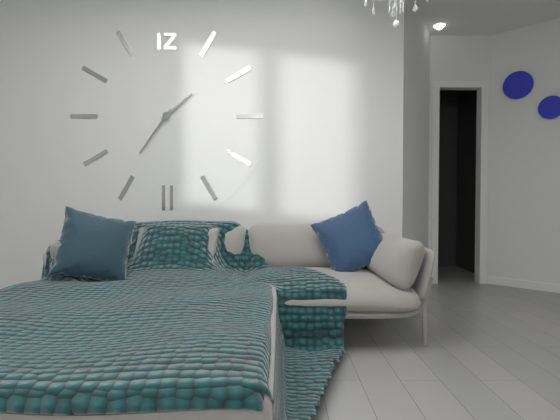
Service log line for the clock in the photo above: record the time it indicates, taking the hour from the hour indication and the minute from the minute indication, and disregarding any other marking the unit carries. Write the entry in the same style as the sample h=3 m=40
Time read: h=1 m=36
